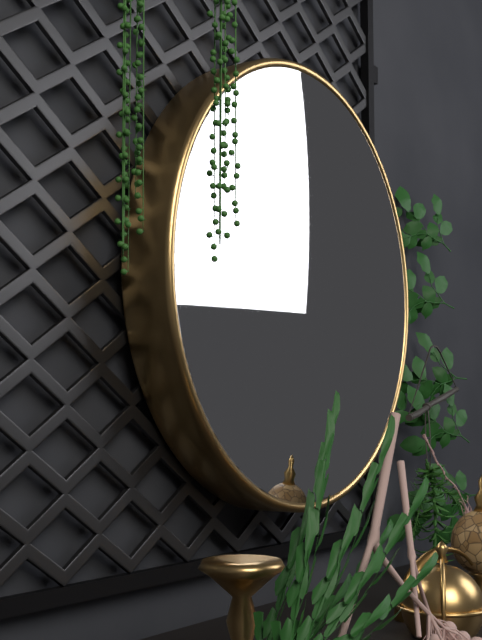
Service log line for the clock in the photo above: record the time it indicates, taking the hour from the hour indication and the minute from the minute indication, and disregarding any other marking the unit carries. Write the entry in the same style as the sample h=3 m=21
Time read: h=6 m=5
